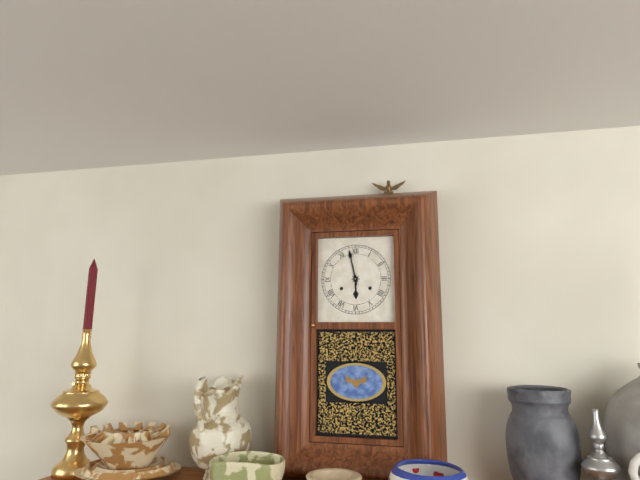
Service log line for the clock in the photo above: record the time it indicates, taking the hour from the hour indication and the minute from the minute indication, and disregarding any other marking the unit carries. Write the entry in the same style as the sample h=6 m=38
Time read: h=5 m=58
